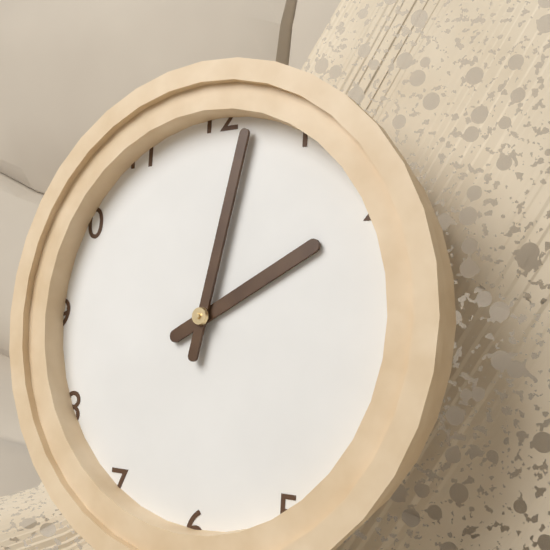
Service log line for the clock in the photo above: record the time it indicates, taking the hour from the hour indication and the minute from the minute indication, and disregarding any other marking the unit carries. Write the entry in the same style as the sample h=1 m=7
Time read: h=2 m=2
